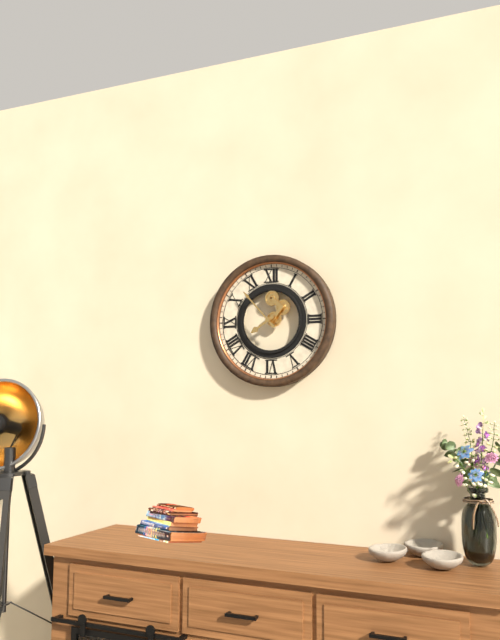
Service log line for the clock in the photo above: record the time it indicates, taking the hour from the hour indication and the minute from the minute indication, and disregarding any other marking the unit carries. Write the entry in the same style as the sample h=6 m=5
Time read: h=7 m=53
